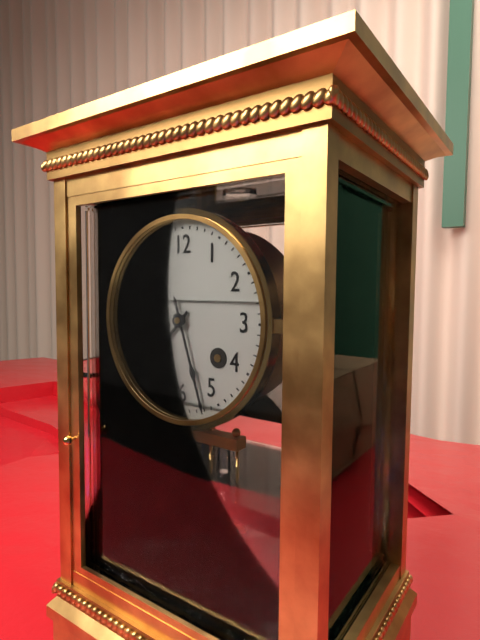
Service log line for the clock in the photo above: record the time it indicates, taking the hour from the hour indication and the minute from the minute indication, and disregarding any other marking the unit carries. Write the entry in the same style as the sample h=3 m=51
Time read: h=7 m=27
